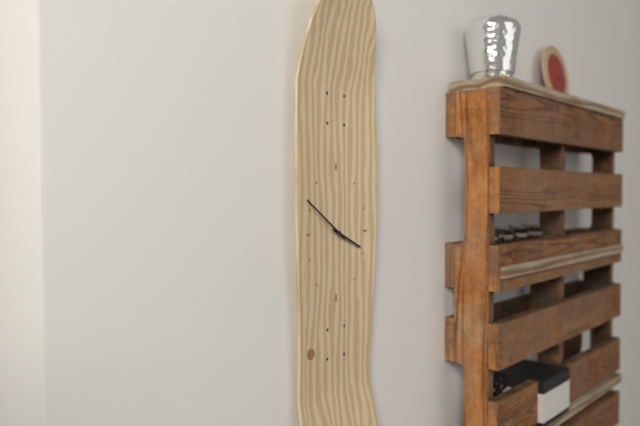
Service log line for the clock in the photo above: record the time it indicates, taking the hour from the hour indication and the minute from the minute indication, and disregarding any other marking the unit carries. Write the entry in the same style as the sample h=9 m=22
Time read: h=3 m=51
